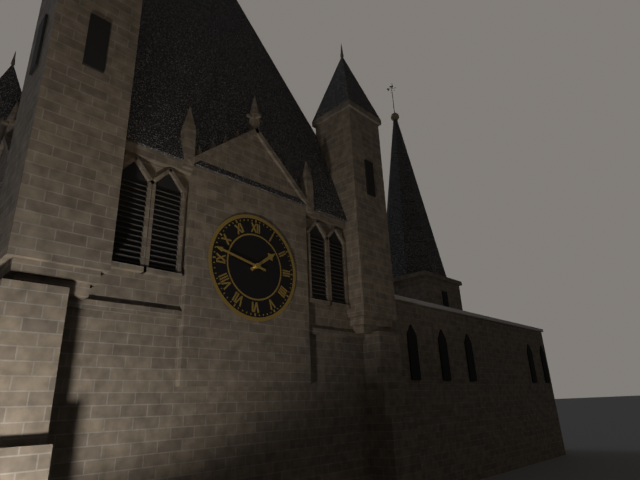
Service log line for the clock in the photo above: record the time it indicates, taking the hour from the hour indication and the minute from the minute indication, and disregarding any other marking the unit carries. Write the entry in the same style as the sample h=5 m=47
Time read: h=1 m=47
